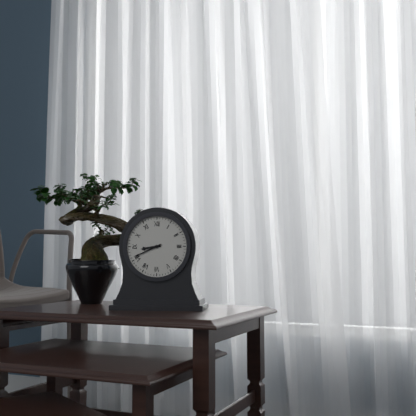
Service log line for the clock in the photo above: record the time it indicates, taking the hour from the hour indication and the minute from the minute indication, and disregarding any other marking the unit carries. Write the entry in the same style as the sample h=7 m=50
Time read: h=8 m=41
